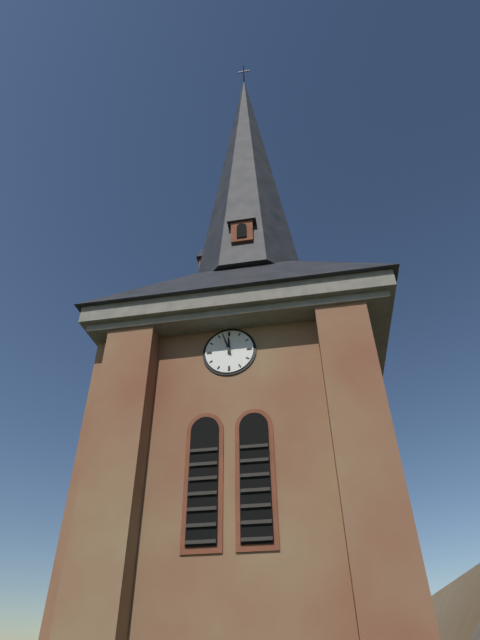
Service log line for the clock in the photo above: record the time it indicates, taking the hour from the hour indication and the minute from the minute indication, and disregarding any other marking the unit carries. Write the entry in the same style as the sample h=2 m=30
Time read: h=11 m=57
